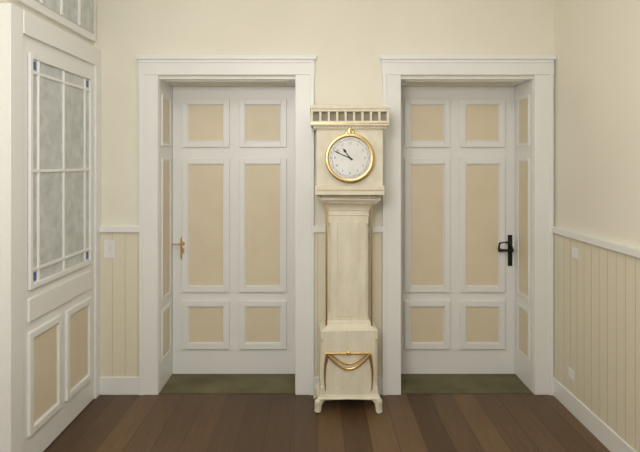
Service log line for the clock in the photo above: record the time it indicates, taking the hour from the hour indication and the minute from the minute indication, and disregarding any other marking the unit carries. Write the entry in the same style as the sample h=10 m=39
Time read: h=10 m=49
